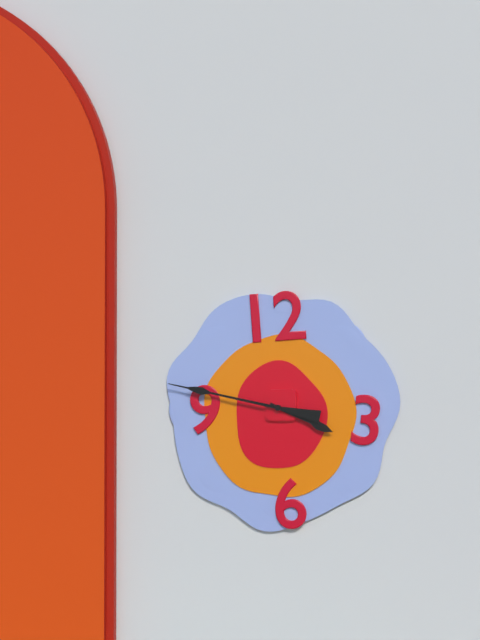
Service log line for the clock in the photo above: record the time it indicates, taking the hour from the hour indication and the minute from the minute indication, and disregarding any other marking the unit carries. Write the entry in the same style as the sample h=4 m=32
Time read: h=3 m=47
